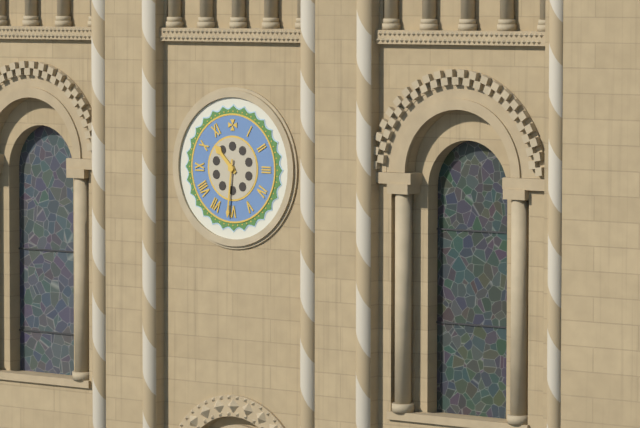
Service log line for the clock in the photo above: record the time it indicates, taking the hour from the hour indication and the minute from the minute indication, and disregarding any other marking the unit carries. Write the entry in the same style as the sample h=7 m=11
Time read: h=10 m=31
